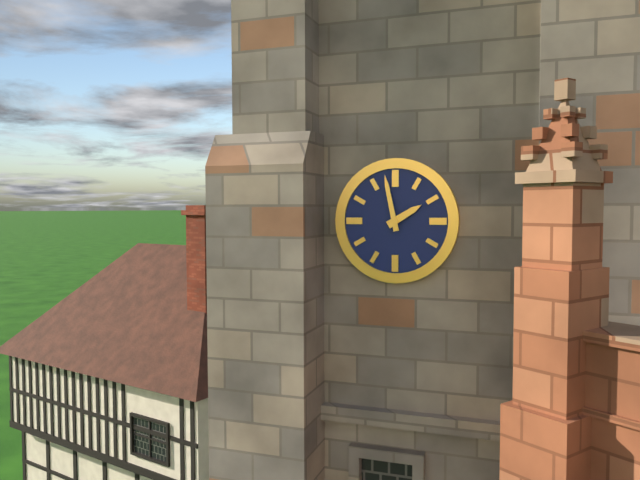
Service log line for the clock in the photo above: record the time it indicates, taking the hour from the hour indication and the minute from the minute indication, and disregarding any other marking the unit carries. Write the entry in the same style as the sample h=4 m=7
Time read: h=1 m=58
